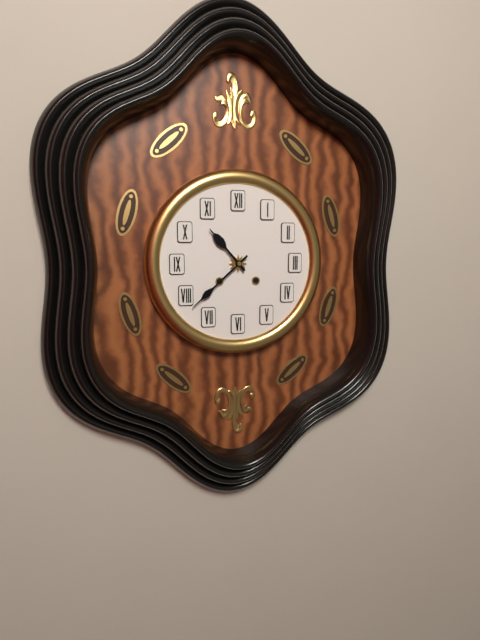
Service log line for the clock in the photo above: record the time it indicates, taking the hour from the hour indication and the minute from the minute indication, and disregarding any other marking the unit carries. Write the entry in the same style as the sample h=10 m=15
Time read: h=10 m=38
